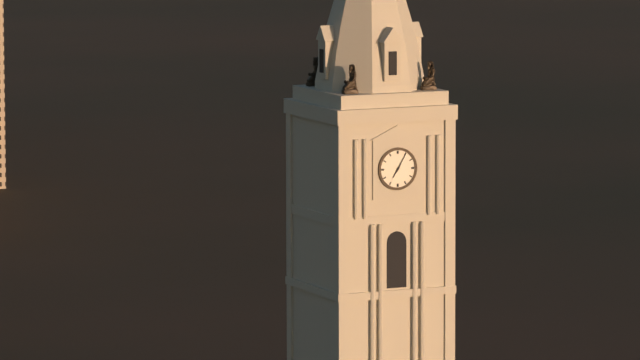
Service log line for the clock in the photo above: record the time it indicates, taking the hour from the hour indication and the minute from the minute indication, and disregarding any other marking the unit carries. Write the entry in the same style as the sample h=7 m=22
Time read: h=7 m=5
